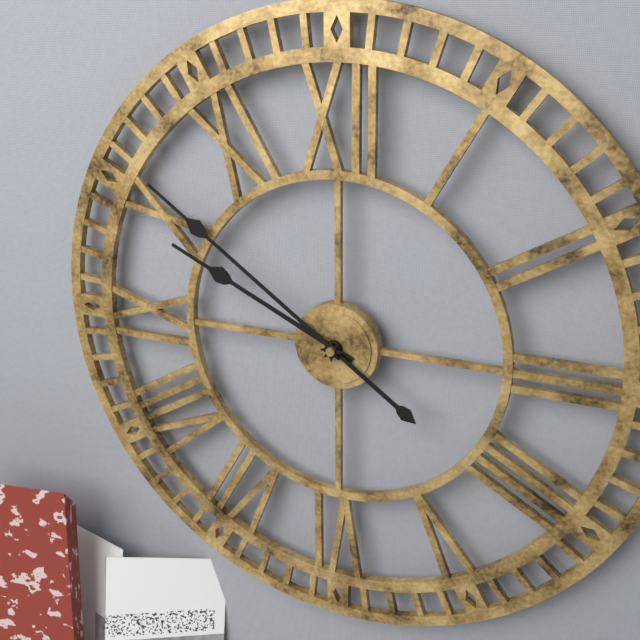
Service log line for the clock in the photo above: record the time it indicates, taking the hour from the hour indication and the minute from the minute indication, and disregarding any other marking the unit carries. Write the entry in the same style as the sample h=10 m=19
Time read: h=9 m=51
